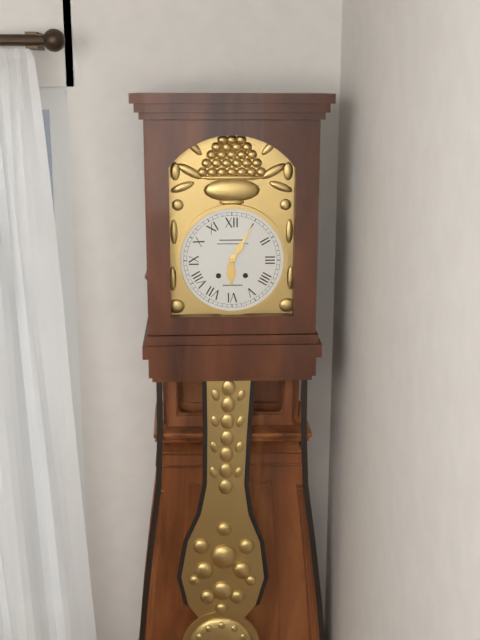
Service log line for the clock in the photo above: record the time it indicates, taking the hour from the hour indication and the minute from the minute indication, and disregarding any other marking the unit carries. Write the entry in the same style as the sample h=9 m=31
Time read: h=6 m=5
